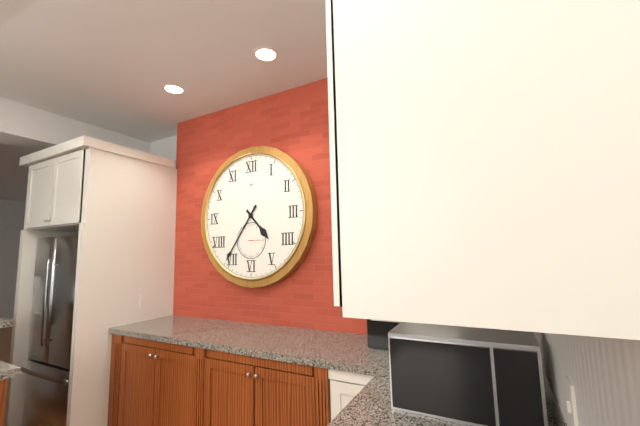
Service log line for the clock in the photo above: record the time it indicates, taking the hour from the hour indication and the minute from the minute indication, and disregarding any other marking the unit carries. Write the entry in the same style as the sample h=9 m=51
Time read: h=4 m=36
